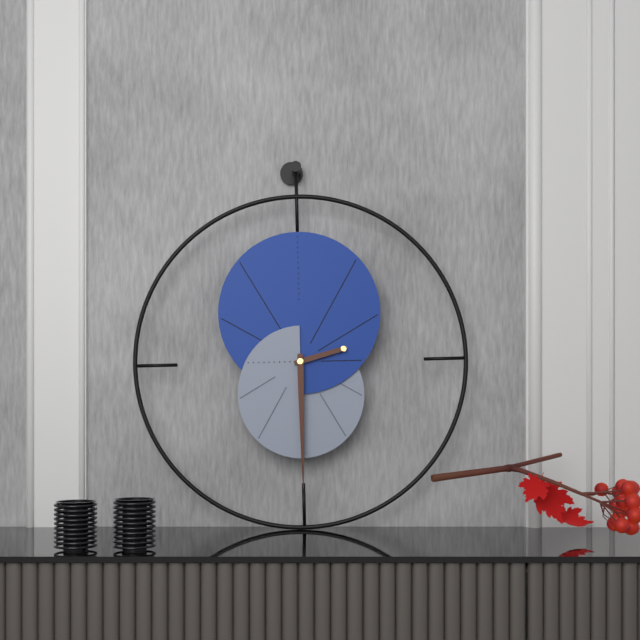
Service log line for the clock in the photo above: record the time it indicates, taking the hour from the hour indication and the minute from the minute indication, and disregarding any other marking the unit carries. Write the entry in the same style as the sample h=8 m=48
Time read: h=2 m=30
